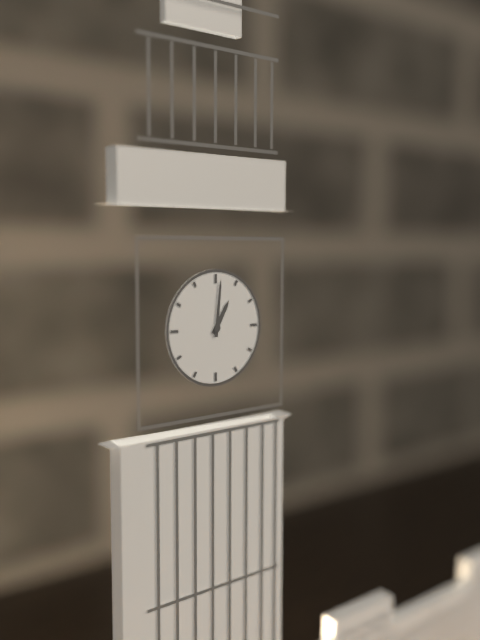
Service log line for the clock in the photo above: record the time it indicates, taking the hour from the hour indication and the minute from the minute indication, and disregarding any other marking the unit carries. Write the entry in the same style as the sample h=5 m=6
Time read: h=1 m=1
